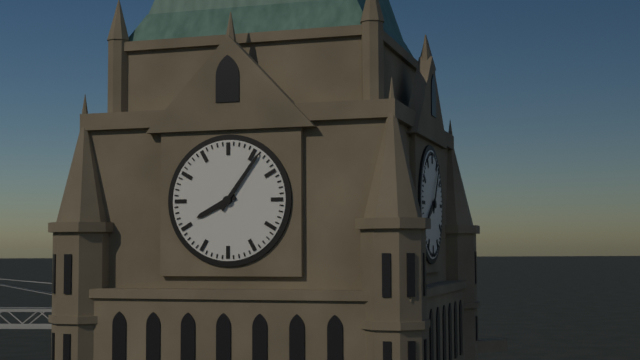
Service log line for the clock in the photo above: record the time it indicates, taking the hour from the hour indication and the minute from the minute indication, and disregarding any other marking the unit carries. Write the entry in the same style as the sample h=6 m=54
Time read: h=8 m=6
